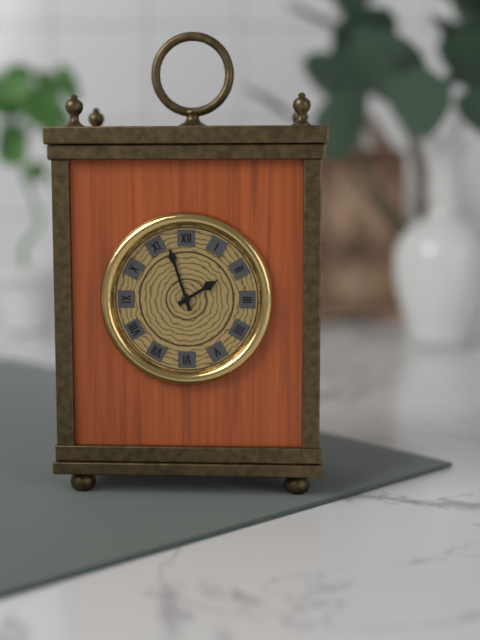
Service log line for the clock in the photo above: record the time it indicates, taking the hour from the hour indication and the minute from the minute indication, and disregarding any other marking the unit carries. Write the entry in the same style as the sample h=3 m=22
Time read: h=1 m=57
